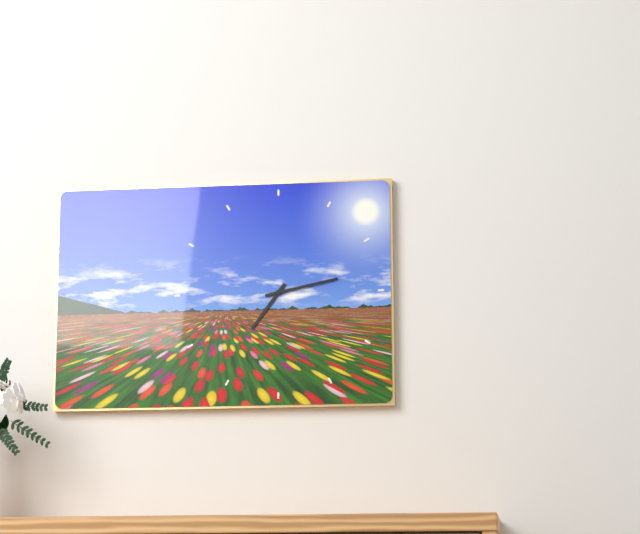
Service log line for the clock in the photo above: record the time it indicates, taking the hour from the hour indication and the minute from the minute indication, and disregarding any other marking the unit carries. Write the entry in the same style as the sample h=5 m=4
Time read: h=7 m=13
